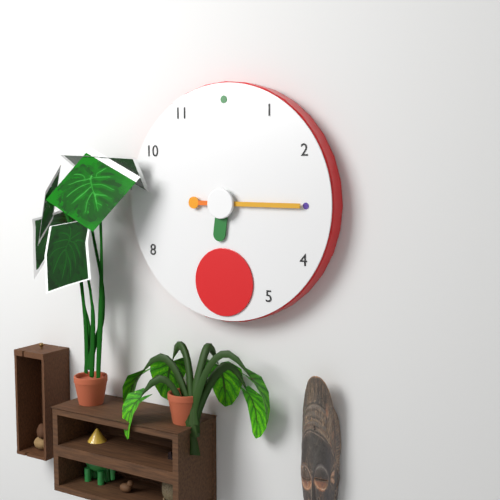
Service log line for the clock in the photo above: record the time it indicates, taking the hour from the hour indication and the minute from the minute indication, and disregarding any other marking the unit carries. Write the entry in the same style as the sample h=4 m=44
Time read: h=6 m=15
